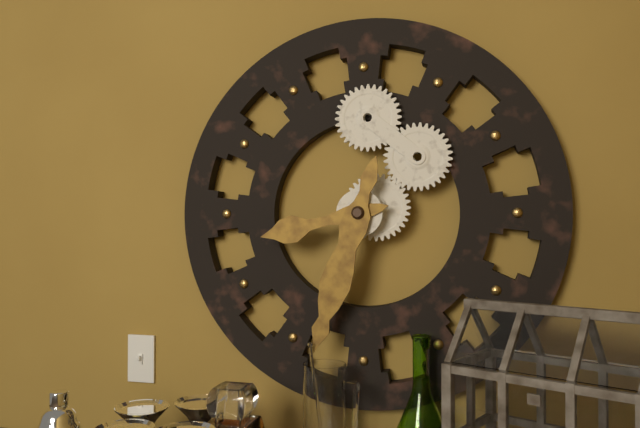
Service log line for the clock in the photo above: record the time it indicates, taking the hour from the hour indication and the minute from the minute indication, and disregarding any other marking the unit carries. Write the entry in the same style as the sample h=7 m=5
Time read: h=8 m=33
